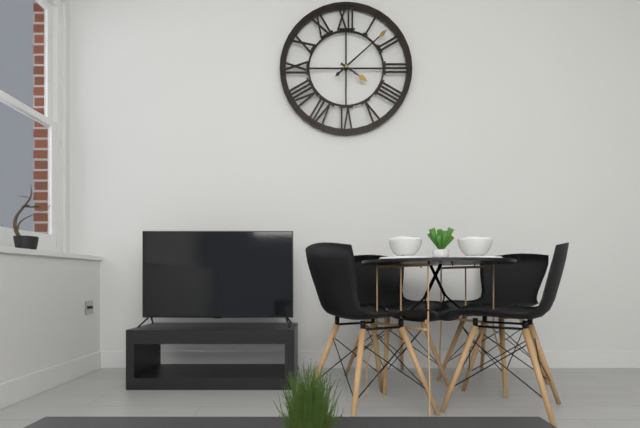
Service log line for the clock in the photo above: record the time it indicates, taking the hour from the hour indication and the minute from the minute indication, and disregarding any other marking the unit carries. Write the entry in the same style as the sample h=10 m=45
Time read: h=4 m=8
